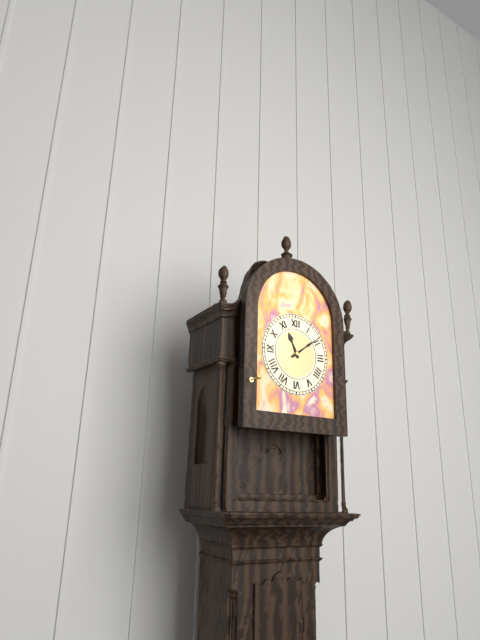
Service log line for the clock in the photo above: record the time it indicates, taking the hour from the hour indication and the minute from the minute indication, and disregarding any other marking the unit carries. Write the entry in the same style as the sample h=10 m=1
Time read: h=11 m=9
